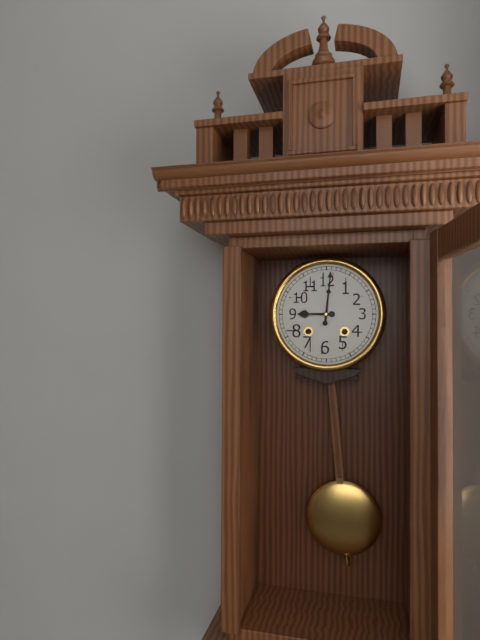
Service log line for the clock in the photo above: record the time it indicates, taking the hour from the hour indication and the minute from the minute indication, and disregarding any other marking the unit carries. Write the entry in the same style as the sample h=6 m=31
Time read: h=9 m=1
